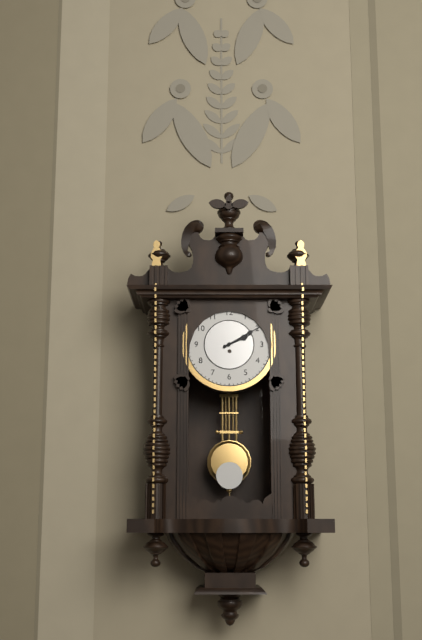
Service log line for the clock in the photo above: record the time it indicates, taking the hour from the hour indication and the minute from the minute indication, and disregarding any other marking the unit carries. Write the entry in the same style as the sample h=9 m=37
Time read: h=2 m=10
